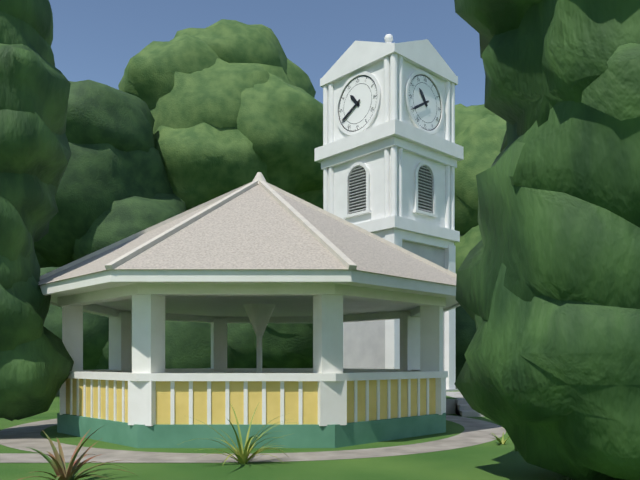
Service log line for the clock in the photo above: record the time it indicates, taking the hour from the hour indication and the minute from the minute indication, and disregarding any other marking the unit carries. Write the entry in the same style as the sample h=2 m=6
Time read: h=10 m=40
